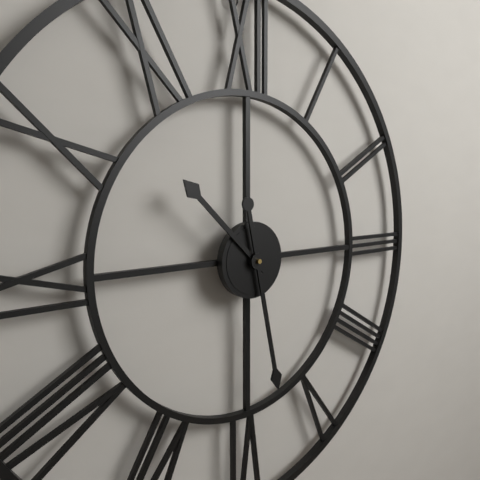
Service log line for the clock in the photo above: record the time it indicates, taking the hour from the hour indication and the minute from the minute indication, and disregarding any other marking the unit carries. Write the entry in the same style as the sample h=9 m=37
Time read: h=10 m=28
